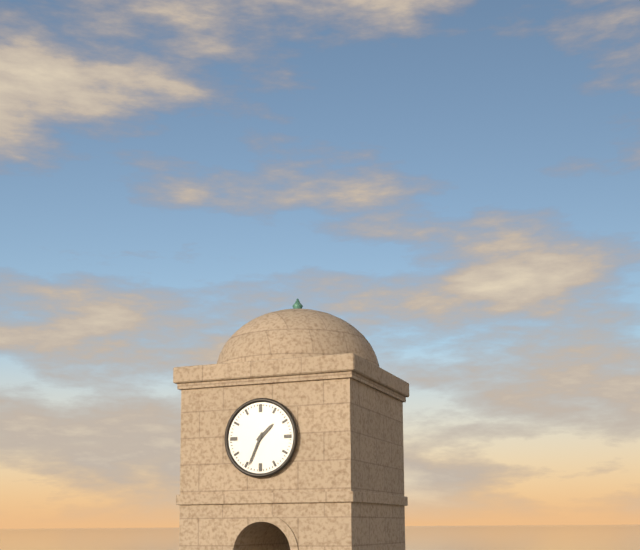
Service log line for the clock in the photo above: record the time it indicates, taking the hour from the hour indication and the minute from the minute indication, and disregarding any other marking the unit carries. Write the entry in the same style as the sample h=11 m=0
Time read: h=1 m=34
